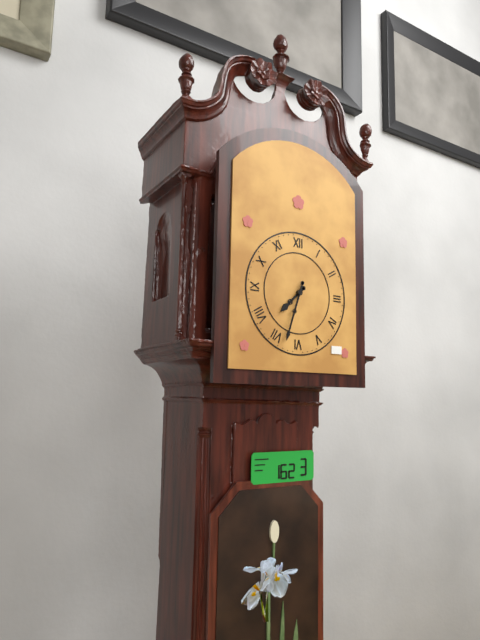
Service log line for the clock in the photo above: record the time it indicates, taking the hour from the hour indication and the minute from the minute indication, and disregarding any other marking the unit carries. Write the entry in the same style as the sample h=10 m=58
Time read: h=7 m=33
